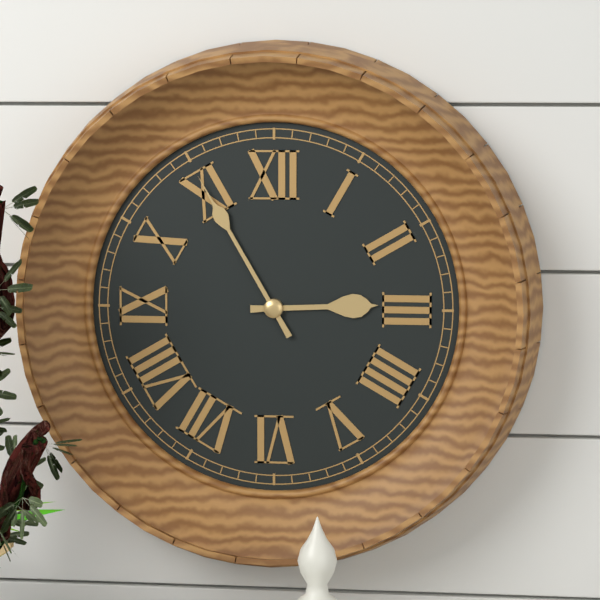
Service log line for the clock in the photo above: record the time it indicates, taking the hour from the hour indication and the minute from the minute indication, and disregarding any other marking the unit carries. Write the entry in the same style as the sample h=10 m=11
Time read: h=2 m=55
